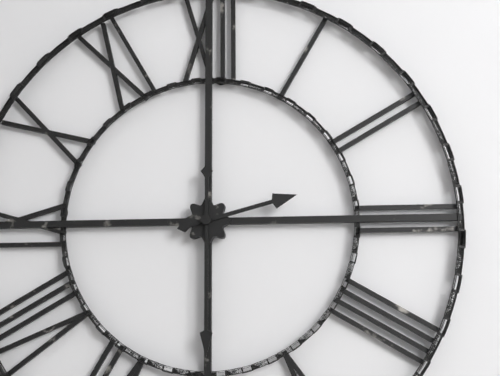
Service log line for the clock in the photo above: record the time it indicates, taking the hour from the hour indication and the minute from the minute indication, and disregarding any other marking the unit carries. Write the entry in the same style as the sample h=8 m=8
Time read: h=2 m=30
